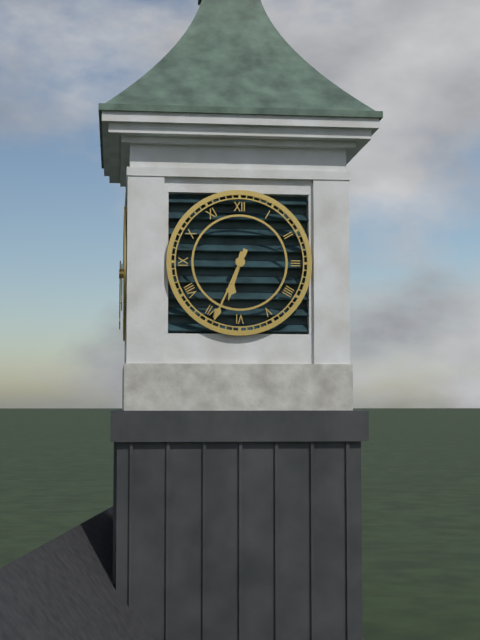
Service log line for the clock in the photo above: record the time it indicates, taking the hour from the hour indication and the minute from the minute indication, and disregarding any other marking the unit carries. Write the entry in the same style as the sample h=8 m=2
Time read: h=6 m=34
